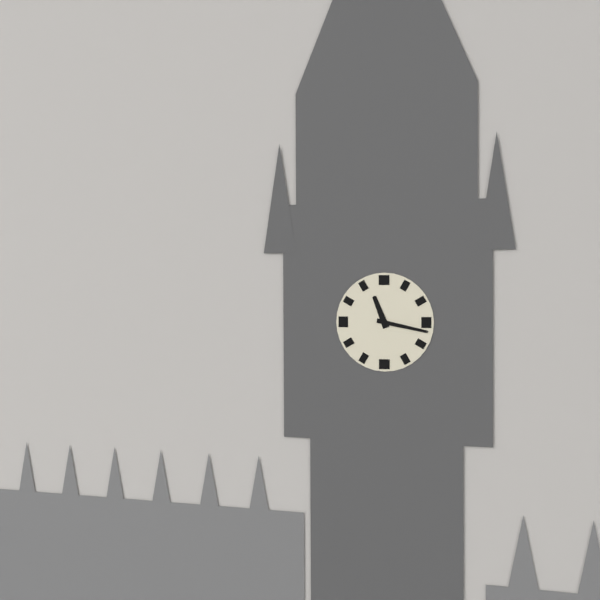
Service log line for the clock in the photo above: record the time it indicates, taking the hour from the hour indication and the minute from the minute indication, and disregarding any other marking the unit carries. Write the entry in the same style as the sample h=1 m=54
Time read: h=11 m=17
